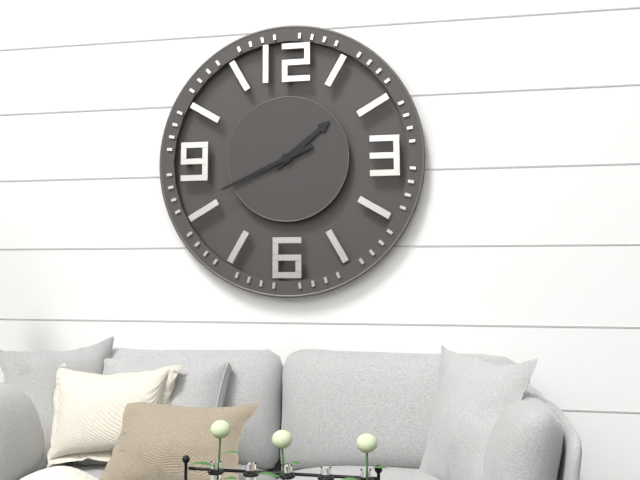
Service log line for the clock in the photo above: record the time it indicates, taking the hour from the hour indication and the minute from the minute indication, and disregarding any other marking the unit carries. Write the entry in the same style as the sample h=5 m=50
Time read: h=1 m=41
